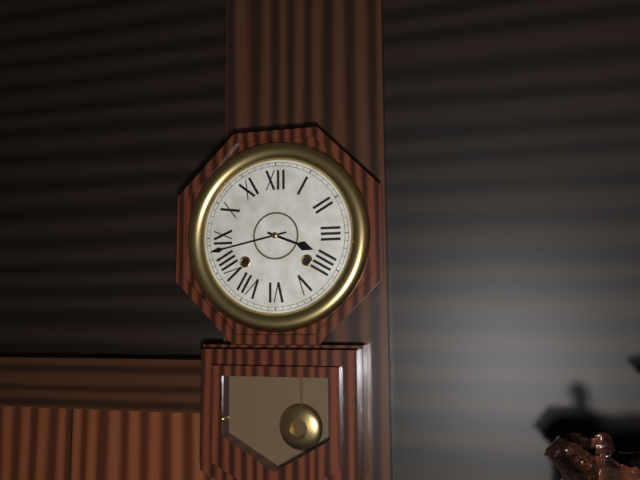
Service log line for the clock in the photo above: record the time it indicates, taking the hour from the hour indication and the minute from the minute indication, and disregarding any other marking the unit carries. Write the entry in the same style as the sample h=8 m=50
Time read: h=3 m=43
